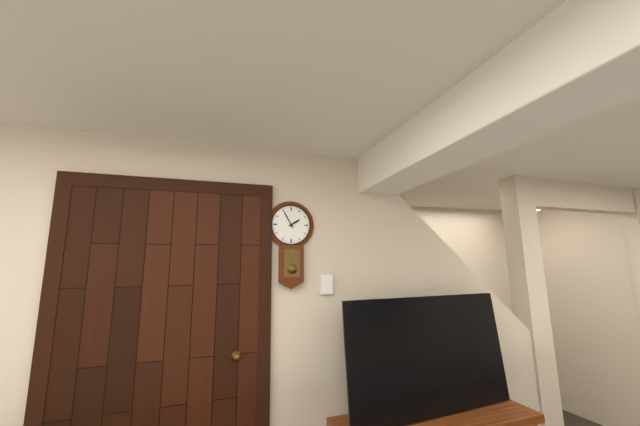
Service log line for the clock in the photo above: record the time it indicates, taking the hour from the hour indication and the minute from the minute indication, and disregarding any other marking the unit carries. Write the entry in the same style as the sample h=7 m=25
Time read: h=1 m=55
